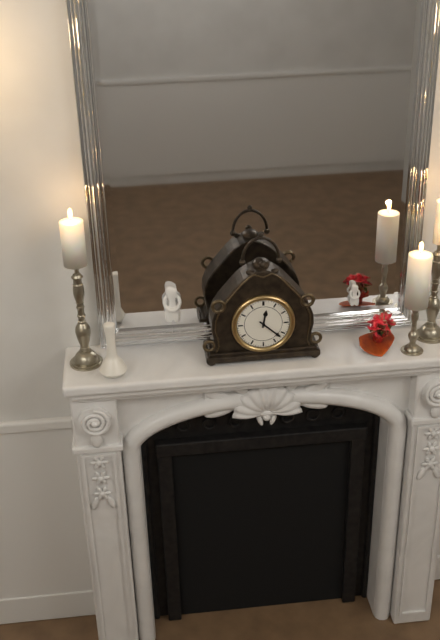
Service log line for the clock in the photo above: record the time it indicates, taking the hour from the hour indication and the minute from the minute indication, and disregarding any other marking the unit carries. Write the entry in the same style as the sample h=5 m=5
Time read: h=12 m=22
